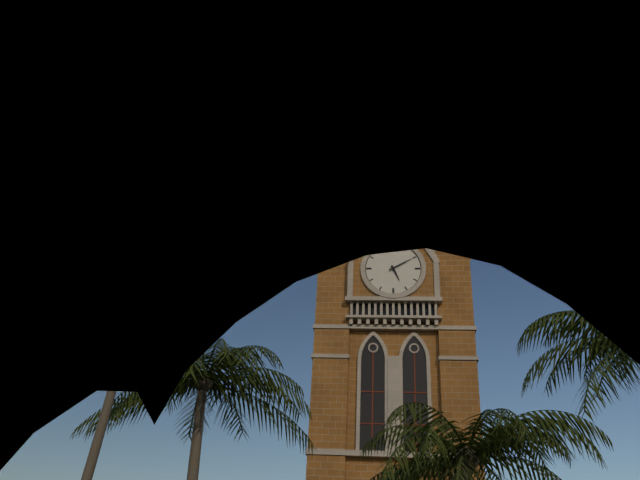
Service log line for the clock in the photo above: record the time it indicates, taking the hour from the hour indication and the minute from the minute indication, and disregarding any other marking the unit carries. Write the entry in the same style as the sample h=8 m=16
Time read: h=5 m=10
